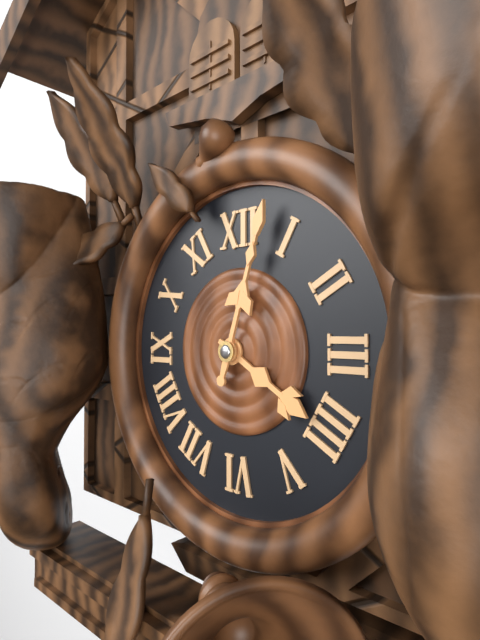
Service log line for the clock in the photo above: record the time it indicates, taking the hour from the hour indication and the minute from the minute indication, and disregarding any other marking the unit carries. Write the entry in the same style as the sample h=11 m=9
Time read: h=4 m=3
